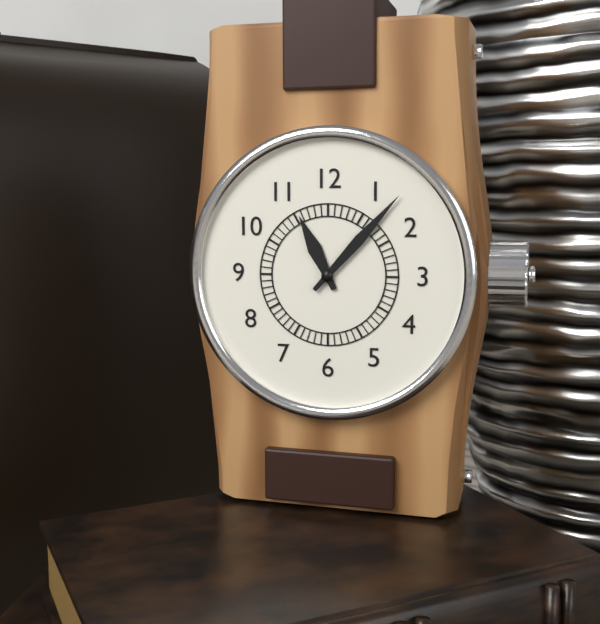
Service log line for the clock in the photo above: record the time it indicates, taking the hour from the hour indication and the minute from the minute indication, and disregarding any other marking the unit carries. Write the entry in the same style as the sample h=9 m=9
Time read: h=11 m=7
